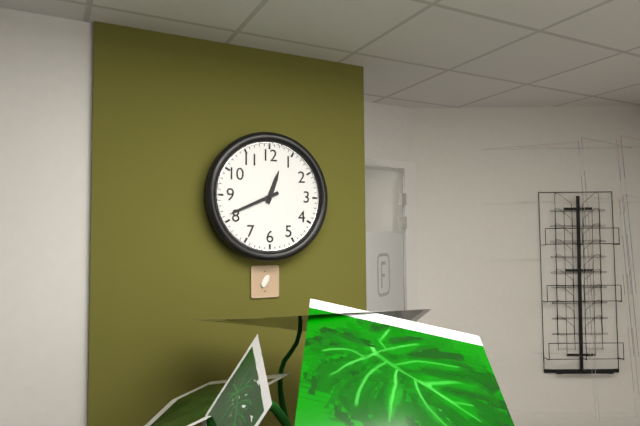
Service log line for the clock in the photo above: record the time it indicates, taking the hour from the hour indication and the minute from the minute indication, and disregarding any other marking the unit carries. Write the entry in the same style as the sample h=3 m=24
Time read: h=12 m=41
